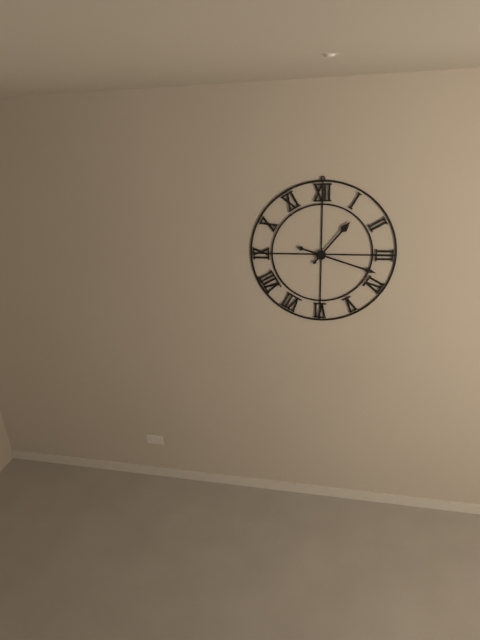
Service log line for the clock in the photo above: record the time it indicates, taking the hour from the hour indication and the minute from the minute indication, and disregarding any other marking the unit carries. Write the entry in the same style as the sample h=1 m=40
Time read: h=1 m=18
